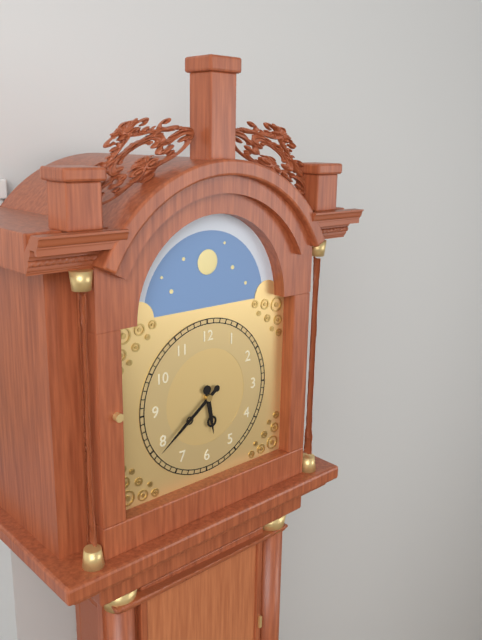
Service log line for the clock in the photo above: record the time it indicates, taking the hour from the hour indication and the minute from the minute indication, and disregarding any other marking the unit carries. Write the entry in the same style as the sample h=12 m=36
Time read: h=5 m=39
